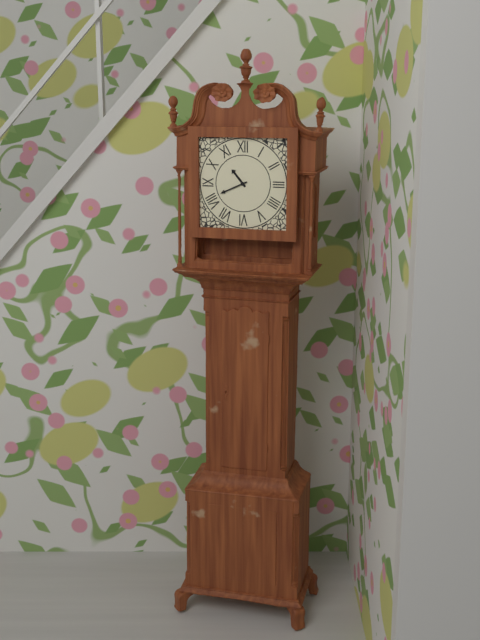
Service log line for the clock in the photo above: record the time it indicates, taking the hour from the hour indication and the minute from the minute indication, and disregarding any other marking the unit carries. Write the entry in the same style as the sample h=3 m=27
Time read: h=10 m=41
